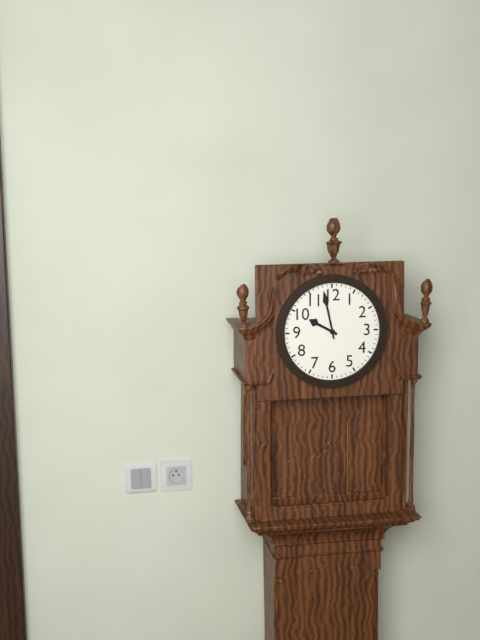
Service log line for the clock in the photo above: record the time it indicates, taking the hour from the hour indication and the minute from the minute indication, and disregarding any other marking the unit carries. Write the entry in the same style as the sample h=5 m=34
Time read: h=9 m=58
